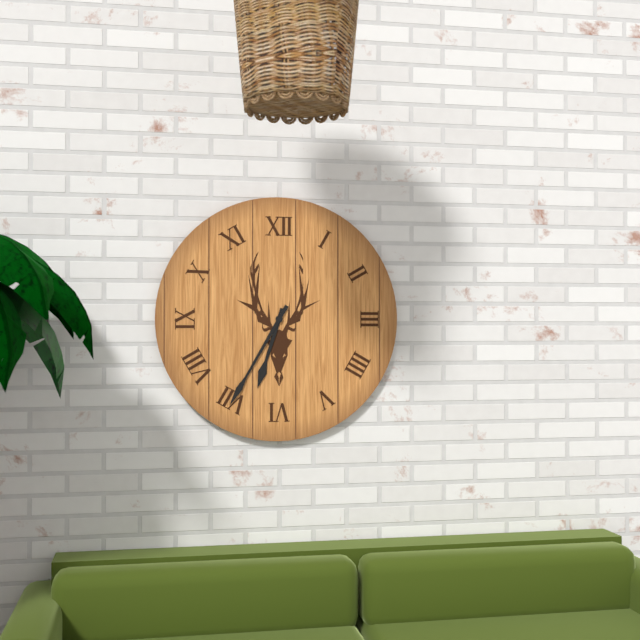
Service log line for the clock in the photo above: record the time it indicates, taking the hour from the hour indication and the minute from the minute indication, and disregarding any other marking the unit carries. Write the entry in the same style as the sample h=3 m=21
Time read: h=6 m=35
